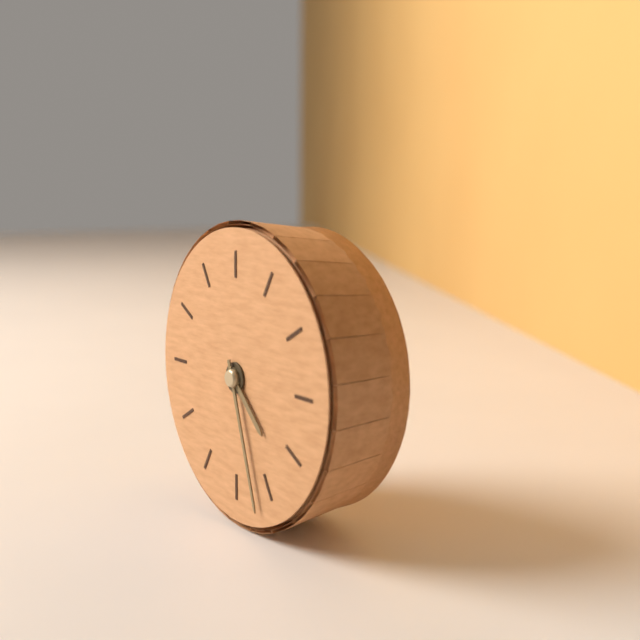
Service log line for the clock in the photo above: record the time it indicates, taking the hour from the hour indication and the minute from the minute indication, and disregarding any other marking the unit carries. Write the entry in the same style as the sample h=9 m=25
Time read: h=4 m=27
